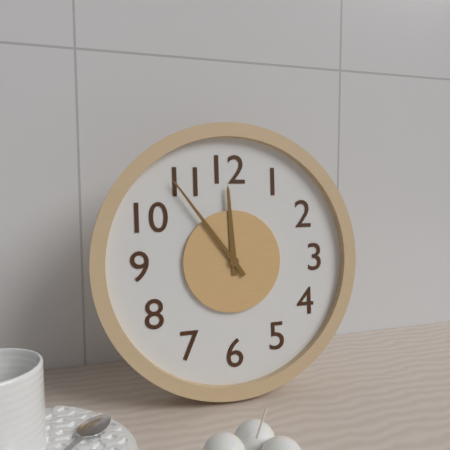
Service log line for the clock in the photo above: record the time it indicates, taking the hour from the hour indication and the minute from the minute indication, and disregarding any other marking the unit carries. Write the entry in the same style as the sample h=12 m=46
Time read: h=11 m=54
